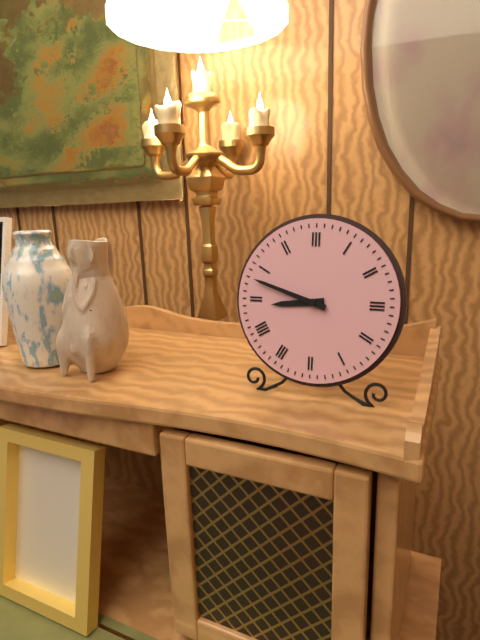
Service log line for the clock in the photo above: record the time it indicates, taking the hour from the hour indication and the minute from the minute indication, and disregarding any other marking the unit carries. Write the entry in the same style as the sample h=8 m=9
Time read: h=8 m=48
